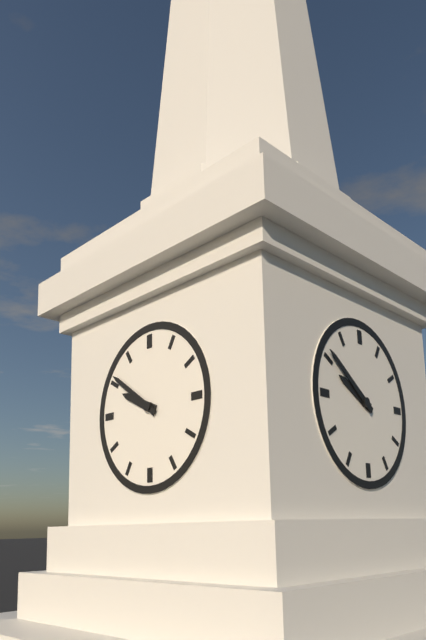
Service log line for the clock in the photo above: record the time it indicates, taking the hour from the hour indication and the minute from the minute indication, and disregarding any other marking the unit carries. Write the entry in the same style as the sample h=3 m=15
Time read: h=9 m=51
